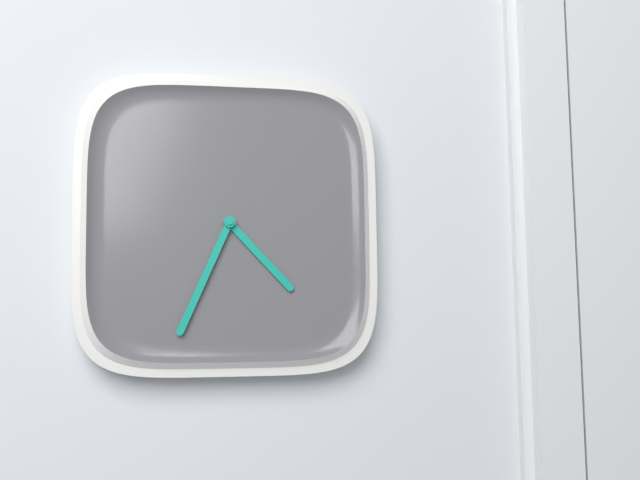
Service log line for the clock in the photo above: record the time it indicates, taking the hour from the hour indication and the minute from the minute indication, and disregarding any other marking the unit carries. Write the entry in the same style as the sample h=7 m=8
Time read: h=4 m=34
